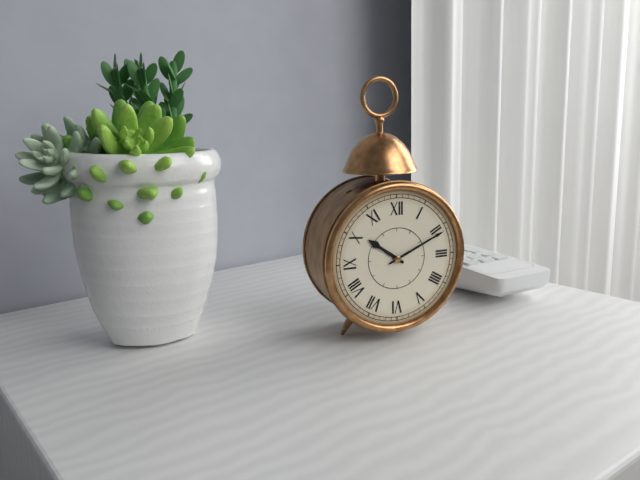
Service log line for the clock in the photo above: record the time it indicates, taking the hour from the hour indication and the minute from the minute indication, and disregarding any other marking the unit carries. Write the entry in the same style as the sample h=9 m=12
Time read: h=10 m=11
